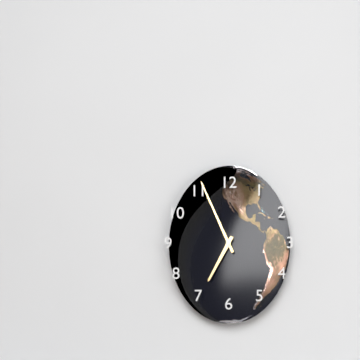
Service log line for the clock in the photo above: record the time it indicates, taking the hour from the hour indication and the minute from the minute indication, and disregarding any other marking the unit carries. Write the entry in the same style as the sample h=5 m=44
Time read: h=6 m=56
